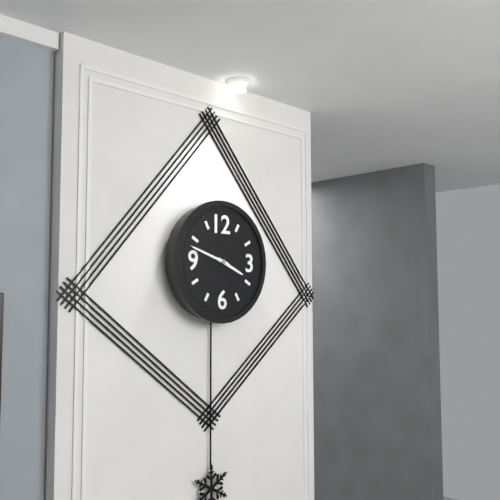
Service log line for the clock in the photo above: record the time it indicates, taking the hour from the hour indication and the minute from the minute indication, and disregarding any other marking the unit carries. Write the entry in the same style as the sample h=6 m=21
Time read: h=3 m=48
